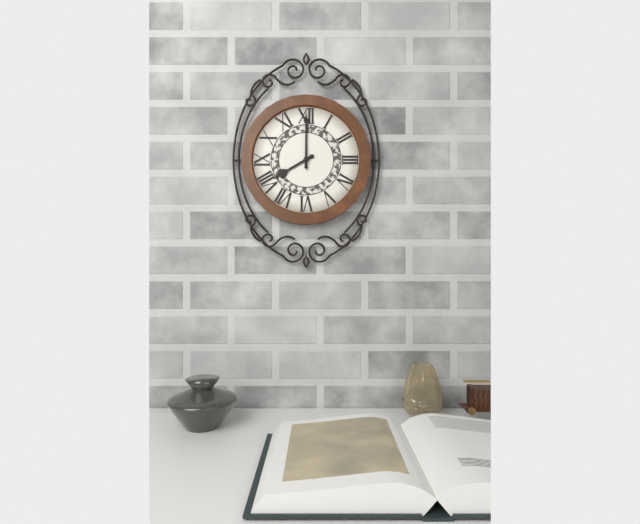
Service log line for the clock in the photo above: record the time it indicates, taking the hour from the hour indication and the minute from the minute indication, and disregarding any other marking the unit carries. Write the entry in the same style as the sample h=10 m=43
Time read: h=8 m=0
